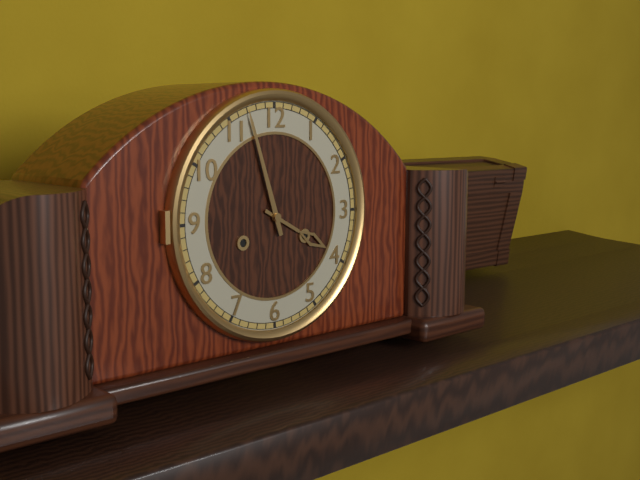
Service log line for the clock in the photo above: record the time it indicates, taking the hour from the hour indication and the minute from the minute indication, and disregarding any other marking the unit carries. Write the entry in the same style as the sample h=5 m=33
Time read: h=3 m=57
